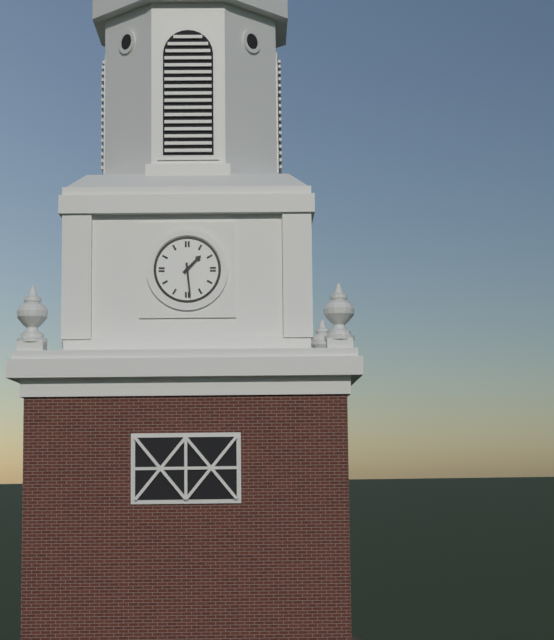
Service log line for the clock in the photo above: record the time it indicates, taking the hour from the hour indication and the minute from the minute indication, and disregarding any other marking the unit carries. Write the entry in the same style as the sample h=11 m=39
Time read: h=1 m=29
